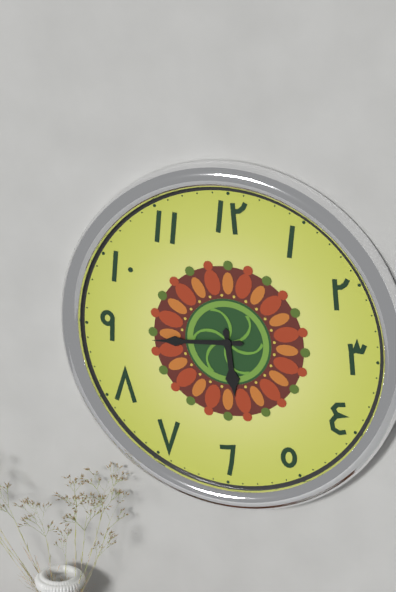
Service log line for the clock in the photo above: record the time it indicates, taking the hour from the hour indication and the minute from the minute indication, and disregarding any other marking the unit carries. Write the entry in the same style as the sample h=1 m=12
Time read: h=5 m=44
